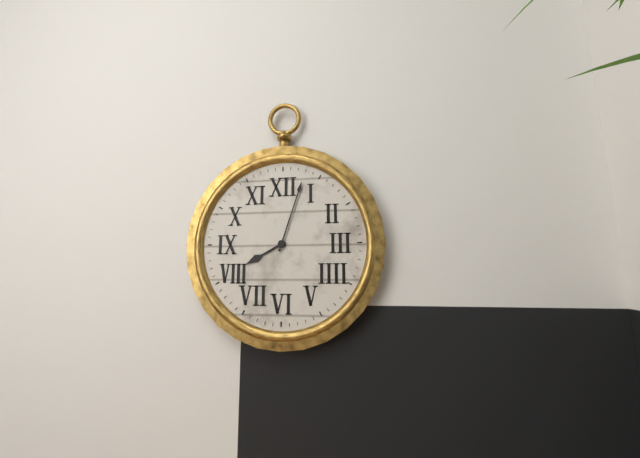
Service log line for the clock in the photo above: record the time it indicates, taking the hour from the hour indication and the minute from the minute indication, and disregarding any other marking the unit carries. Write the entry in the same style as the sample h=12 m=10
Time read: h=8 m=3
